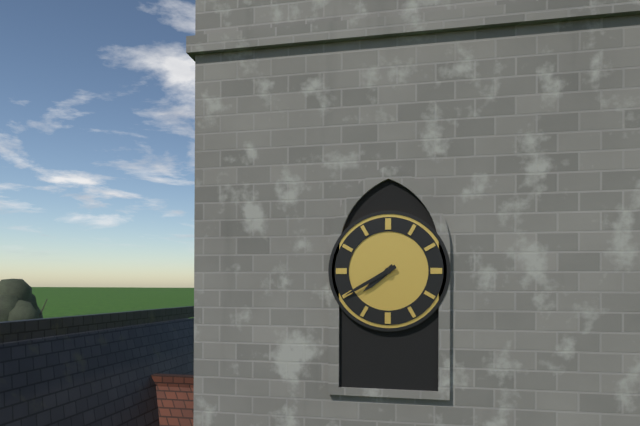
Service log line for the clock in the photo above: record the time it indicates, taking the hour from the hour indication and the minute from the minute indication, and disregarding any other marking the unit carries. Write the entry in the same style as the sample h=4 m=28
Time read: h=7 m=40
